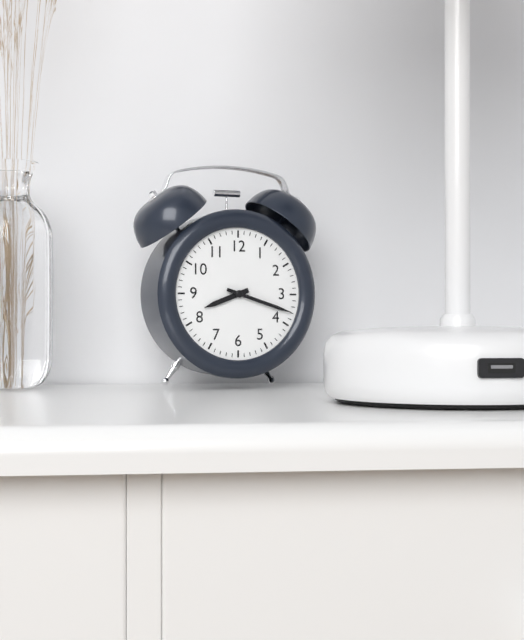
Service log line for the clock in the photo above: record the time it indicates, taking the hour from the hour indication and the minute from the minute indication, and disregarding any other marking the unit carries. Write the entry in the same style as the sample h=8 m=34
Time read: h=8 m=18
